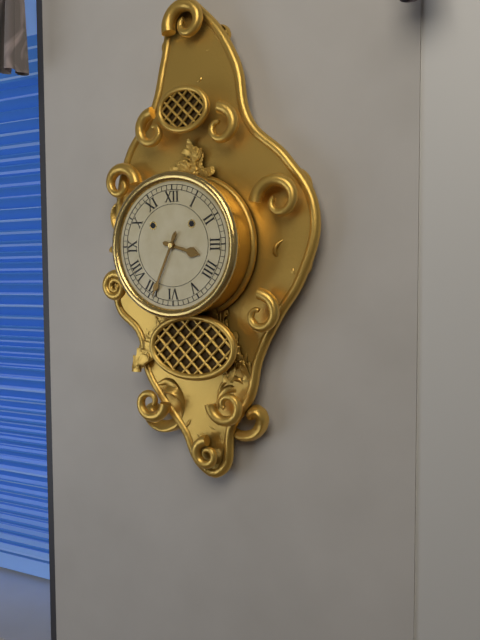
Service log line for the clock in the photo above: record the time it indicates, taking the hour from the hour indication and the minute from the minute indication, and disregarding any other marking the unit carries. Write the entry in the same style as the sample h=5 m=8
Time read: h=3 m=34
